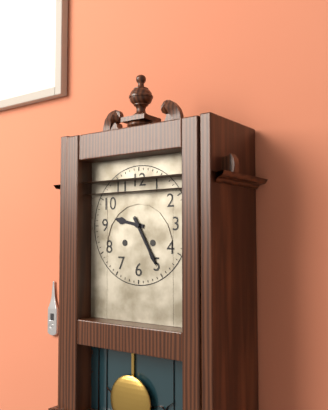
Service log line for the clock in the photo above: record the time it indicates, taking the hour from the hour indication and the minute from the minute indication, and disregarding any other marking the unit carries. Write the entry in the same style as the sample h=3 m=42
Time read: h=9 m=25
